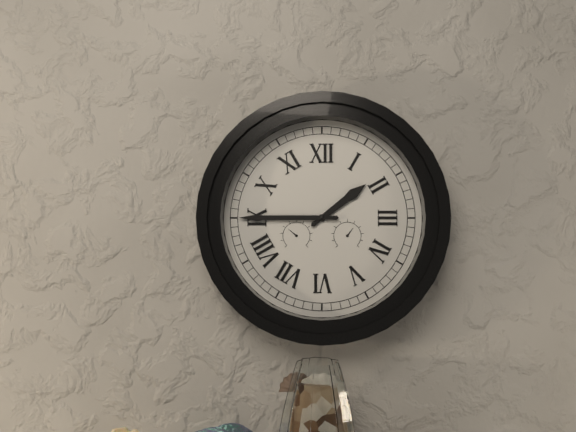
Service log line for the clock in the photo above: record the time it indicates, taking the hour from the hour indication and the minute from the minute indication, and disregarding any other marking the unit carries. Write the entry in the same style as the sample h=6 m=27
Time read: h=1 m=45
